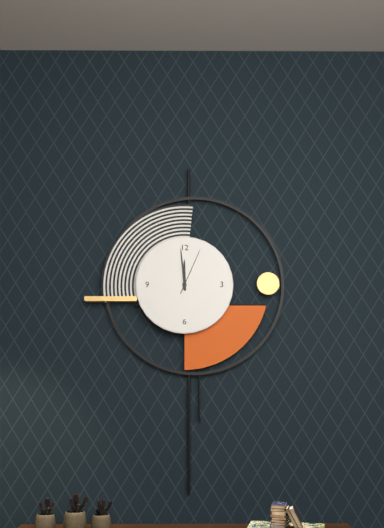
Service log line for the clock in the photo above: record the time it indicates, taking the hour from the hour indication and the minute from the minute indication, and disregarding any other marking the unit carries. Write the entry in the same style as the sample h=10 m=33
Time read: h=11 m=59
